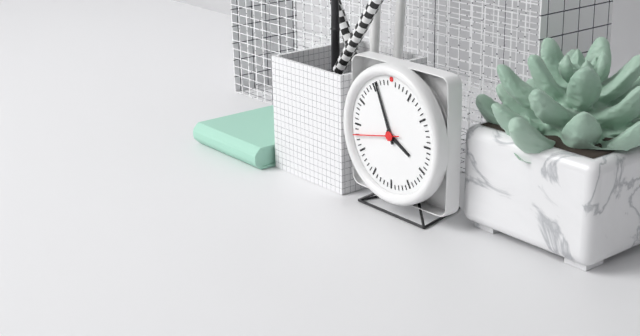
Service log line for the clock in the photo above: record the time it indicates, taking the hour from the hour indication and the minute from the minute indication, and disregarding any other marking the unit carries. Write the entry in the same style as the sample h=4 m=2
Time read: h=3 m=56
